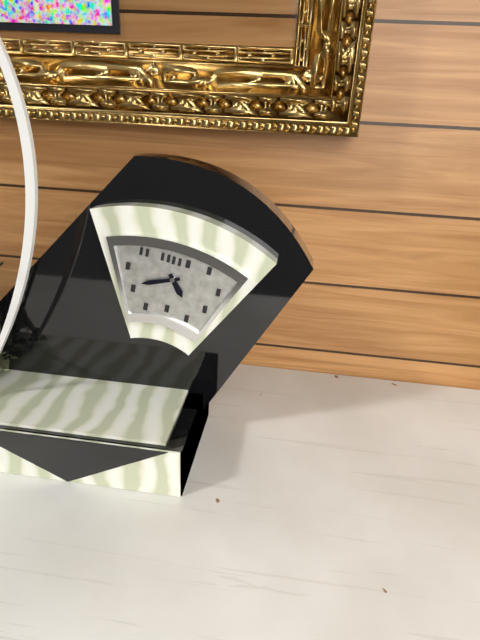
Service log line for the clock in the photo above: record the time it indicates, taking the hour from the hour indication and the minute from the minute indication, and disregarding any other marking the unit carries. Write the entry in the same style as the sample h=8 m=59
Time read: h=4 m=41
